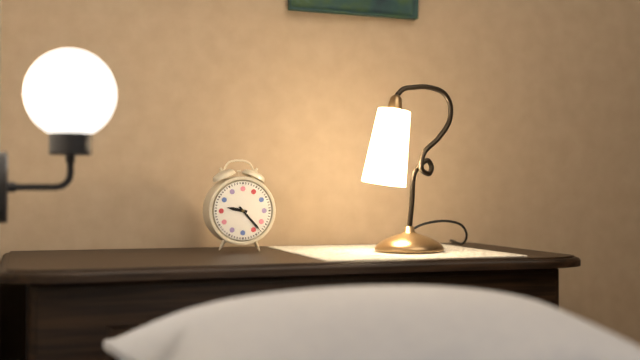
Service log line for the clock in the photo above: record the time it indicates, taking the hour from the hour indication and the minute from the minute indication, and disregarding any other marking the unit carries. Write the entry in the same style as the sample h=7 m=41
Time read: h=9 m=23
